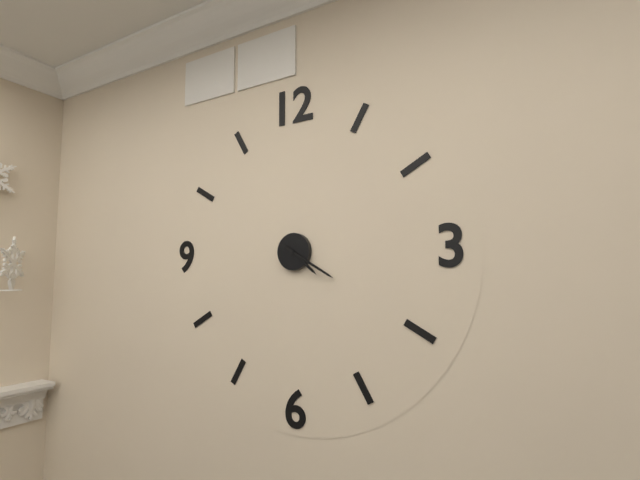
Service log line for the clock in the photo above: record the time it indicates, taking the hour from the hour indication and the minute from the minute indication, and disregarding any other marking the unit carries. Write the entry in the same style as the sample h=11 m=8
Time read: h=4 m=20
